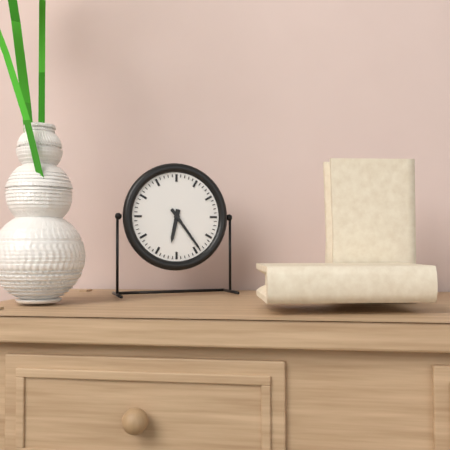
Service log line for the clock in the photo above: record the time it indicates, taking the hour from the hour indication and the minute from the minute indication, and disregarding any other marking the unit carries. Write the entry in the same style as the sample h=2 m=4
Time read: h=6 m=24
